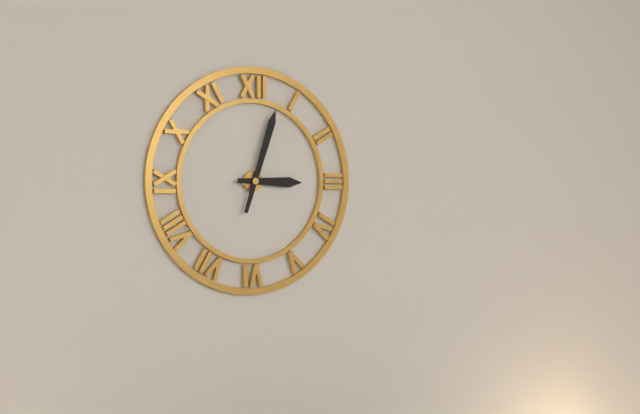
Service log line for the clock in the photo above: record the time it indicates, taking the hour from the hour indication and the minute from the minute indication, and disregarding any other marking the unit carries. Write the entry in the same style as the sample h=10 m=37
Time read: h=3 m=3
